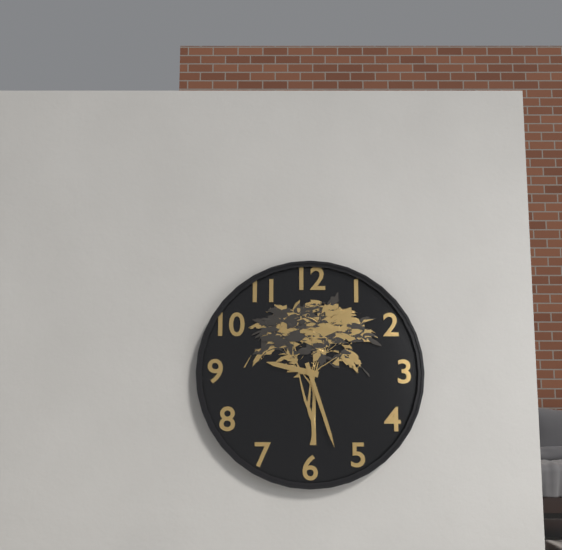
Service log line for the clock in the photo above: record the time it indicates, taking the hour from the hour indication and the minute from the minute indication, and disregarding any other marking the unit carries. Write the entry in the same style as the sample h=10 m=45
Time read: h=9 m=27
